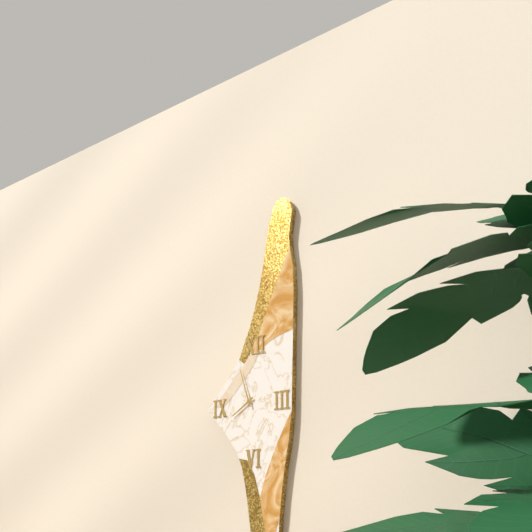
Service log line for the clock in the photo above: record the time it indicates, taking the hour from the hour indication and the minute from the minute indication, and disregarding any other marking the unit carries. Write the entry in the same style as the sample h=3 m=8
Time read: h=7 m=57
